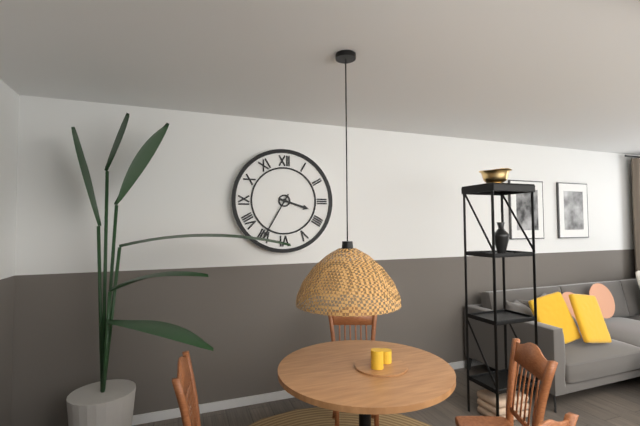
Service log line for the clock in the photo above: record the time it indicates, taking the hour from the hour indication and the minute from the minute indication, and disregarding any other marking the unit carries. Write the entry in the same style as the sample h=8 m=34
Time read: h=3 m=35
